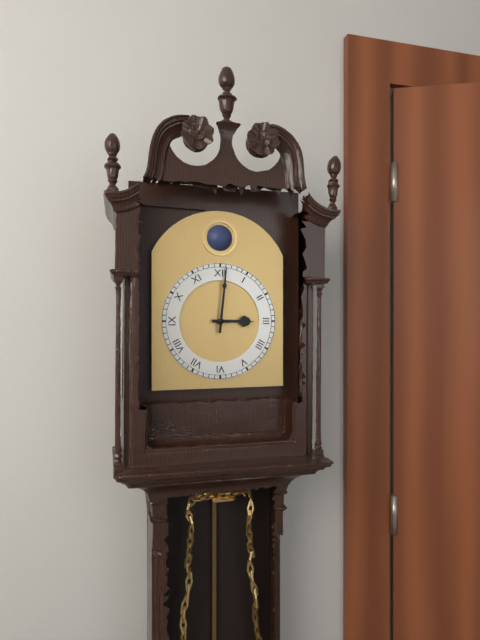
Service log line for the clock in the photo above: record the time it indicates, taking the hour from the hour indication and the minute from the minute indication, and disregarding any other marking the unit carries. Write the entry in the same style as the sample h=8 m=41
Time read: h=3 m=1
